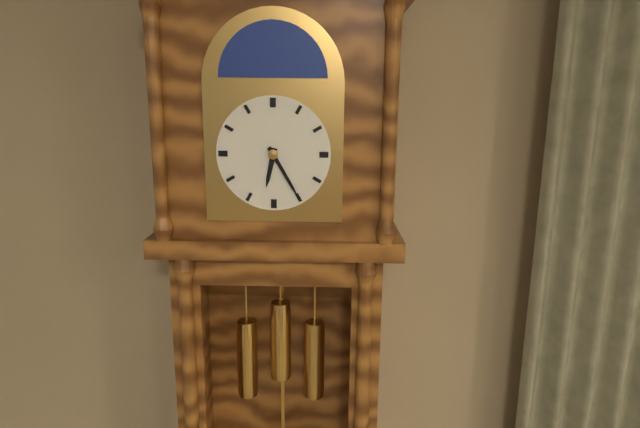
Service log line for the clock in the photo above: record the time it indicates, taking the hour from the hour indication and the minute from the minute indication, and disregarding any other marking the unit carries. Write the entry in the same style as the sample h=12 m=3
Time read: h=6 m=25
